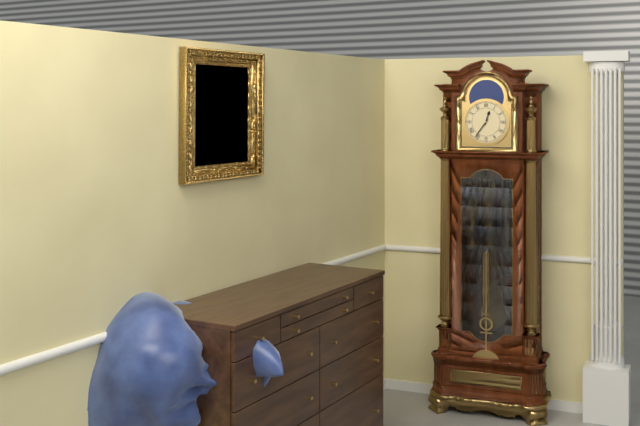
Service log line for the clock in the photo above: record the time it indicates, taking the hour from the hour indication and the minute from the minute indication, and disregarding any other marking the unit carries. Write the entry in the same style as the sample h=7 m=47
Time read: h=12 m=36
